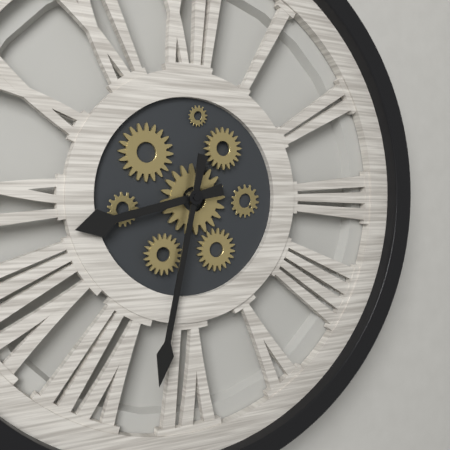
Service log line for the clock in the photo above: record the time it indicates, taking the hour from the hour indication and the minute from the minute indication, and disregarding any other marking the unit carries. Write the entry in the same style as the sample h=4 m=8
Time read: h=8 m=32
